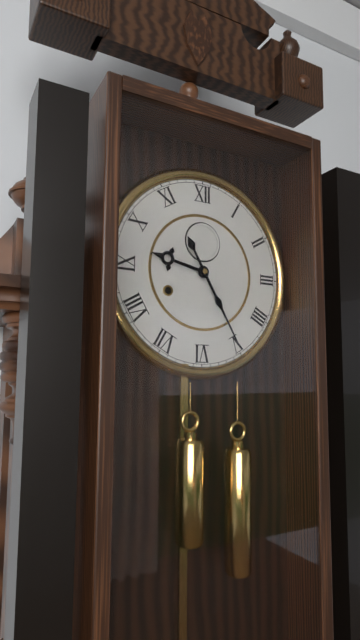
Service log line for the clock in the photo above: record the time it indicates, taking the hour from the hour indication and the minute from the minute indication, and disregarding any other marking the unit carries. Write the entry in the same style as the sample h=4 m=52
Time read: h=9 m=25
